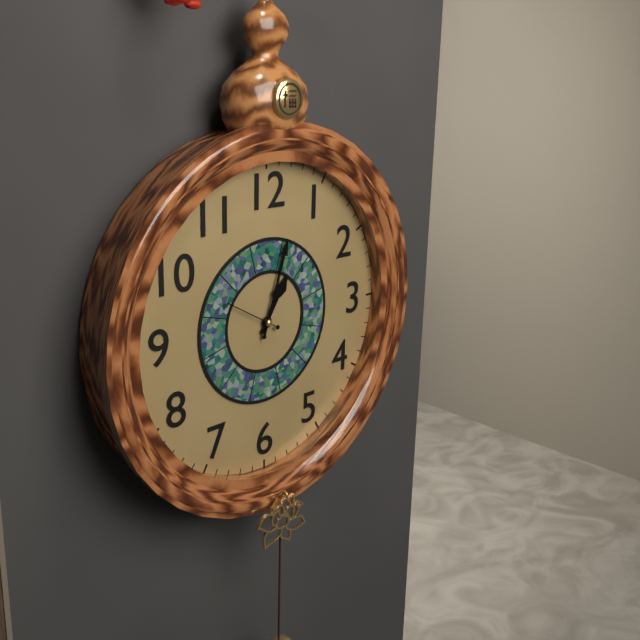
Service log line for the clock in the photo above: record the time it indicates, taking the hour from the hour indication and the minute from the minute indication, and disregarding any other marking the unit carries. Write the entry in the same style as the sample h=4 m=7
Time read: h=1 m=3
